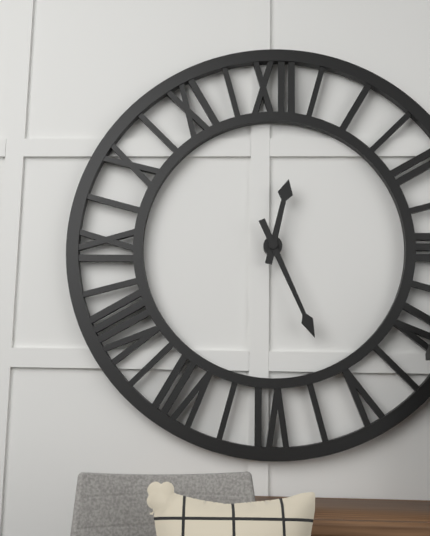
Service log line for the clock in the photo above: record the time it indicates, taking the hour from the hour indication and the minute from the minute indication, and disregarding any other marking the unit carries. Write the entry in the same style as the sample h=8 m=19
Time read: h=12 m=26
